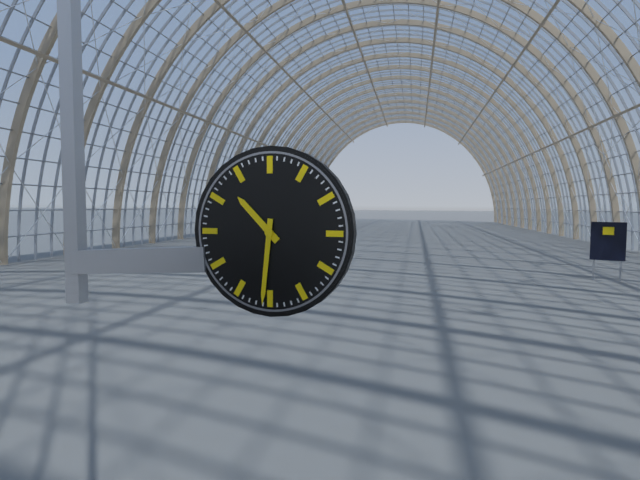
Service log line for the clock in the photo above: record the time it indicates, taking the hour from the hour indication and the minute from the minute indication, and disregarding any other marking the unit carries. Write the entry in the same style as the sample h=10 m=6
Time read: h=10 m=31
